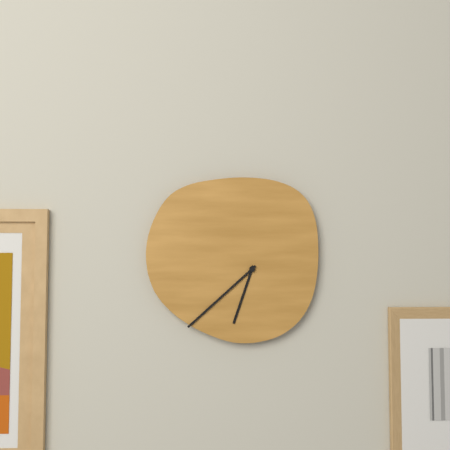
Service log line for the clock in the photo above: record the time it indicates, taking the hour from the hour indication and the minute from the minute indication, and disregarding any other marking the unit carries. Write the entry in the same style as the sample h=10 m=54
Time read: h=6 m=38
